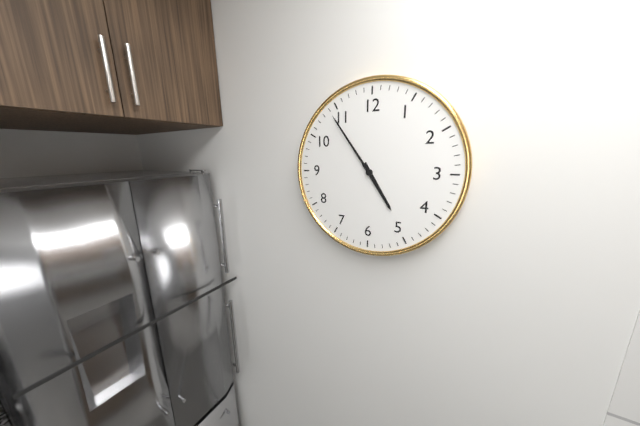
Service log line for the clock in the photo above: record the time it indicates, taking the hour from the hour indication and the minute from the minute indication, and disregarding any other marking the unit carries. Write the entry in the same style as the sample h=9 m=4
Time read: h=4 m=54
